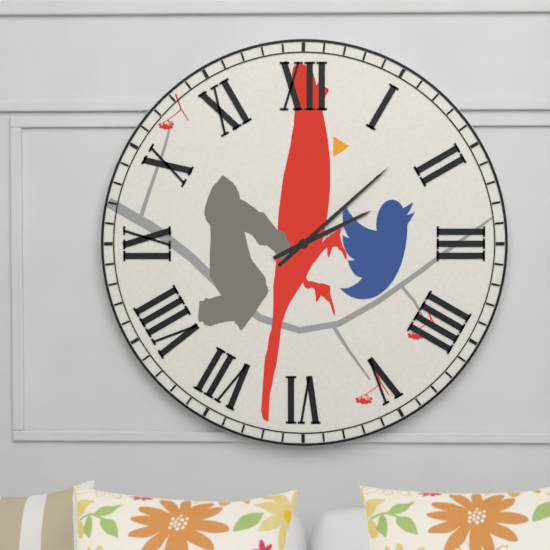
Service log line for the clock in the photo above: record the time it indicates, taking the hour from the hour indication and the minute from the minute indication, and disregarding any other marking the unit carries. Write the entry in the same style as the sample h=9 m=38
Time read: h=2 m=8
